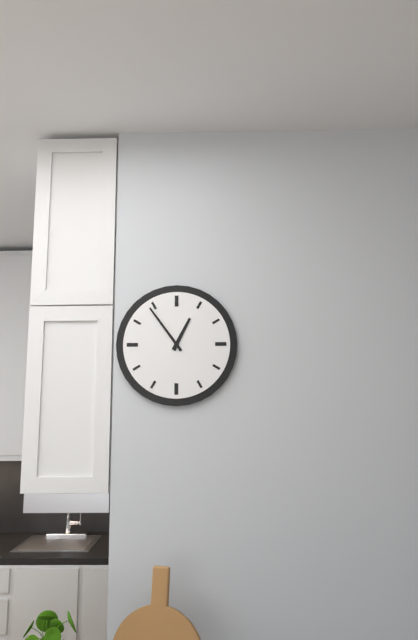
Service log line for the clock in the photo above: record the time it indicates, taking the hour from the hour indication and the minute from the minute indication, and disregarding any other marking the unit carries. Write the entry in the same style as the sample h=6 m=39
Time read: h=12 m=54
